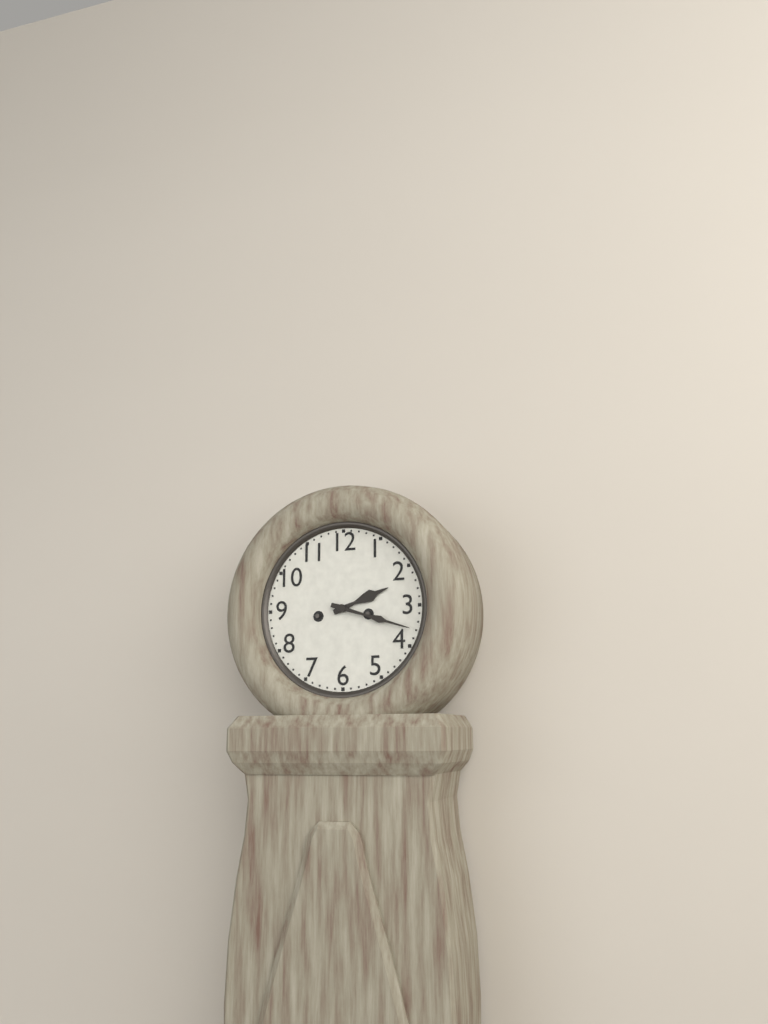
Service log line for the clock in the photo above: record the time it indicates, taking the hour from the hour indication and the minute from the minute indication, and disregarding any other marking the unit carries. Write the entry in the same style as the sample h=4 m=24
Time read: h=2 m=18
